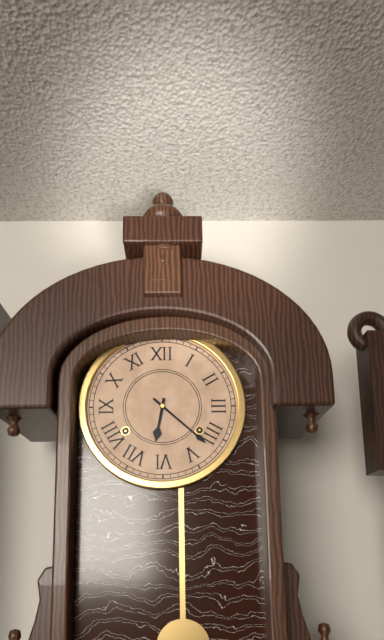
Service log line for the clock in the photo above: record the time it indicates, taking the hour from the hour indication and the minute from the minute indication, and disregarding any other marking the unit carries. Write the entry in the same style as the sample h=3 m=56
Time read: h=6 m=22
